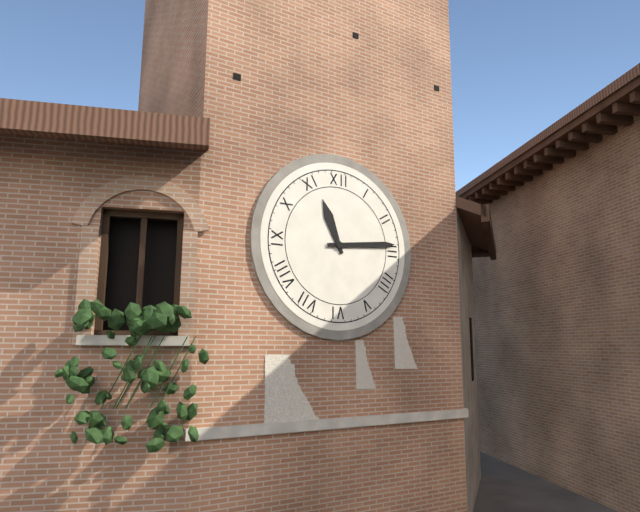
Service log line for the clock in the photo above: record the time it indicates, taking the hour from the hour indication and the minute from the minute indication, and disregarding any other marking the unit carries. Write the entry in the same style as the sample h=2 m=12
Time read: h=11 m=14
